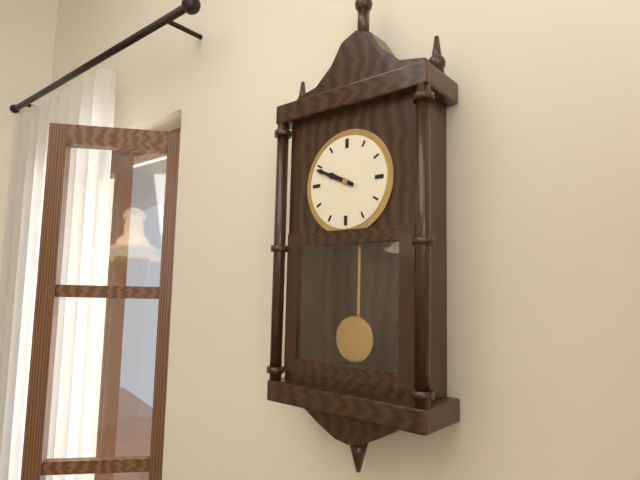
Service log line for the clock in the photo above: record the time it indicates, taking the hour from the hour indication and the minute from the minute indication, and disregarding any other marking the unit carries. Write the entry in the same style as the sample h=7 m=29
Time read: h=9 m=49
